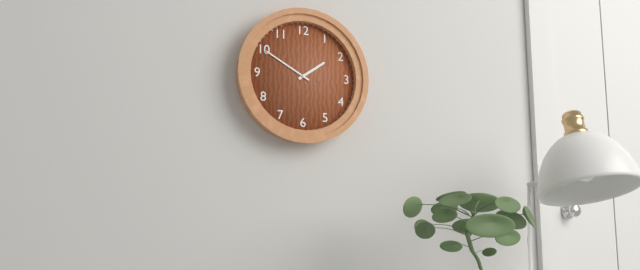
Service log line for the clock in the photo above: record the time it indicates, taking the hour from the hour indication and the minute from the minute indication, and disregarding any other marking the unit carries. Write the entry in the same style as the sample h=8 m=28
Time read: h=1 m=50
